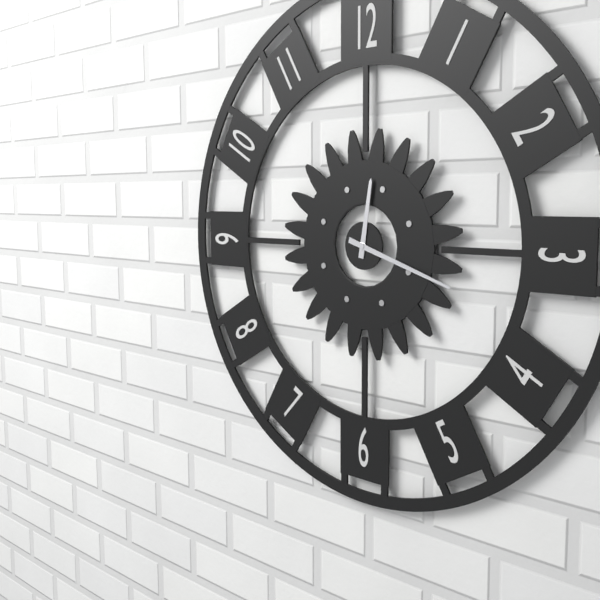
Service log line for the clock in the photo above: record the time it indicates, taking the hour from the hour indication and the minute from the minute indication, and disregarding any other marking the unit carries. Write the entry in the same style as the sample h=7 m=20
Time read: h=12 m=18
